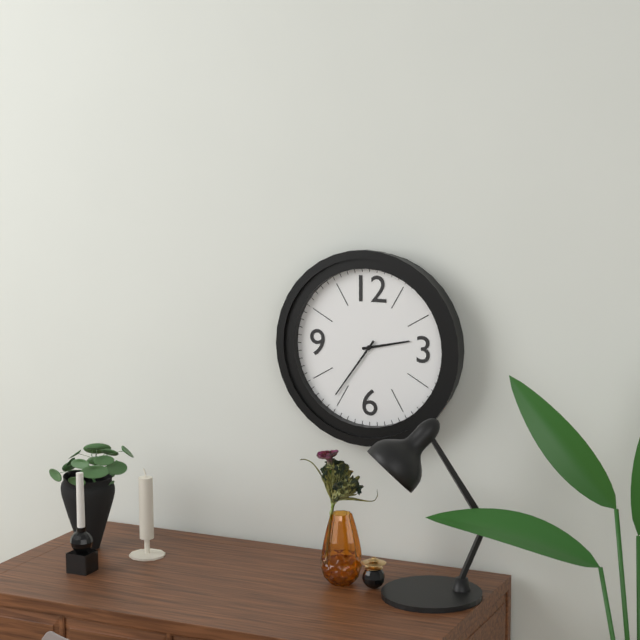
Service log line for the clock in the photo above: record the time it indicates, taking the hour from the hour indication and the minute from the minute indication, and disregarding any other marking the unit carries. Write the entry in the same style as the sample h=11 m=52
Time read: h=2 m=36
